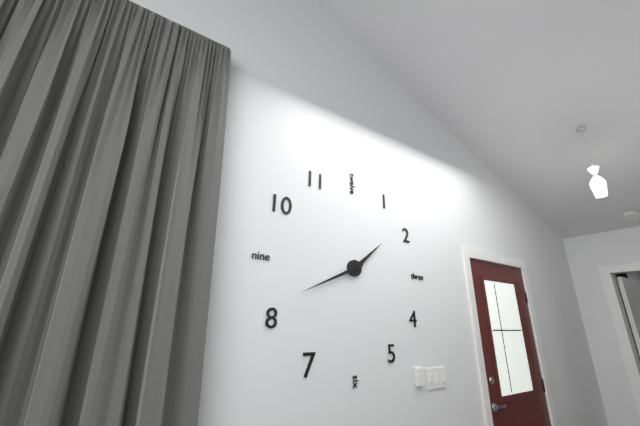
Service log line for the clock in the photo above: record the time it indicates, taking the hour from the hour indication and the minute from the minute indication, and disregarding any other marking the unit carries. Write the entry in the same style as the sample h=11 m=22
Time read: h=1 m=41
